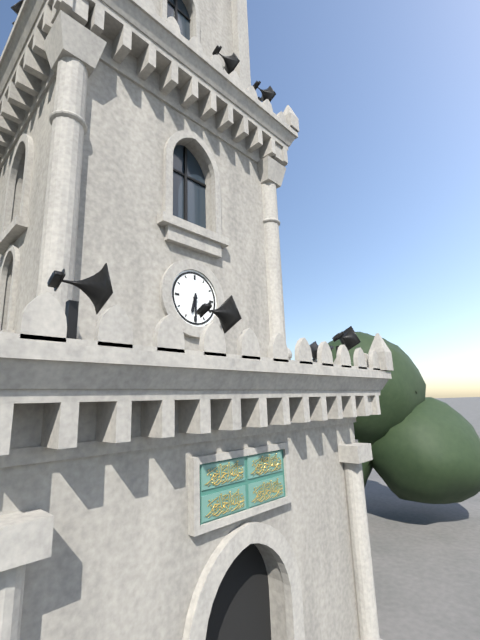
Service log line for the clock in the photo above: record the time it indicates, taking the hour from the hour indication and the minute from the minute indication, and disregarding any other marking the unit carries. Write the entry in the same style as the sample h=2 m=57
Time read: h=6 m=30
